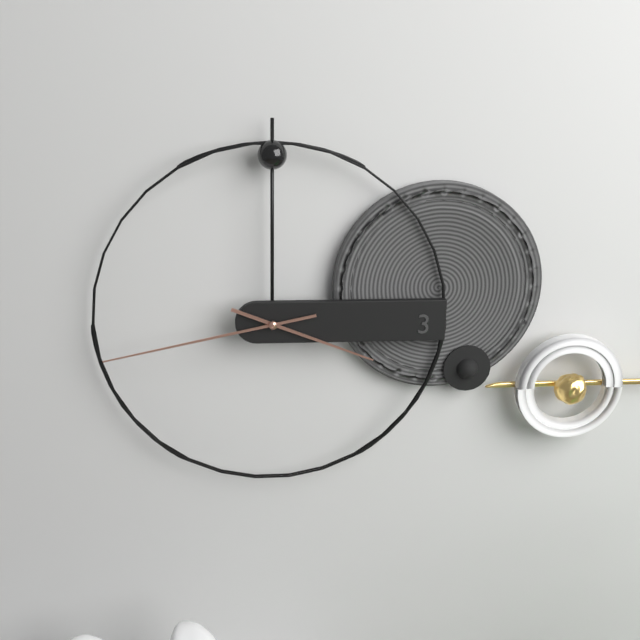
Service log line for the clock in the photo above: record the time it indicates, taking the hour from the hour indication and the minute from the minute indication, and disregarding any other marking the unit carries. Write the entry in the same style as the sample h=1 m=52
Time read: h=3 m=43
